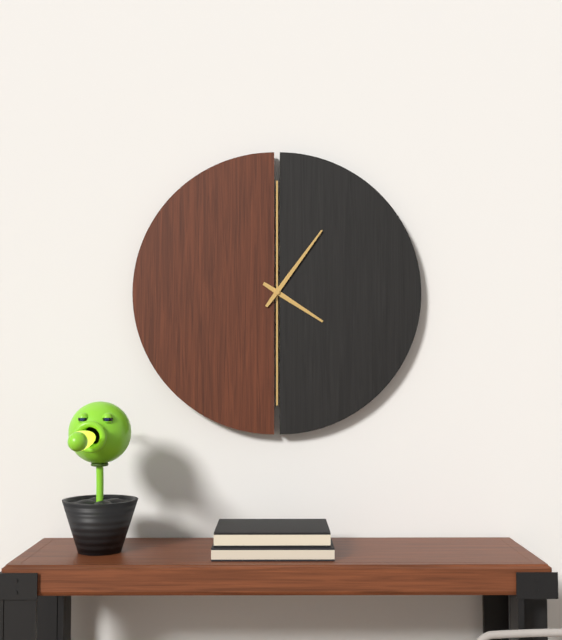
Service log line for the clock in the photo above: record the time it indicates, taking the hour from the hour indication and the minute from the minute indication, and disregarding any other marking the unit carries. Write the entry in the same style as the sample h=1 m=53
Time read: h=4 m=6
